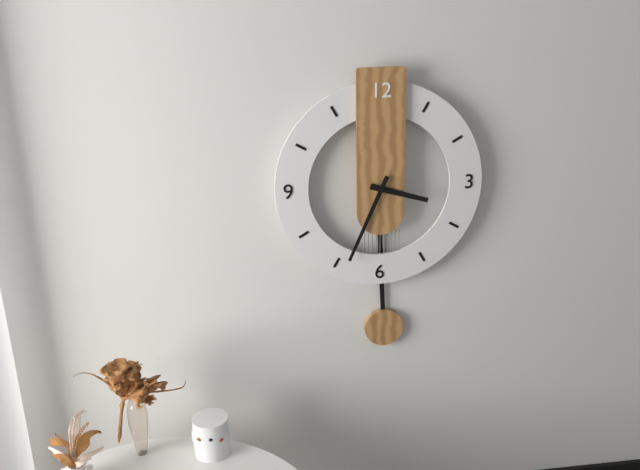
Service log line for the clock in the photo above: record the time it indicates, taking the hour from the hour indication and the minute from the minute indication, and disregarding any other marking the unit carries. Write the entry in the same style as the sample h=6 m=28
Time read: h=3 m=34
